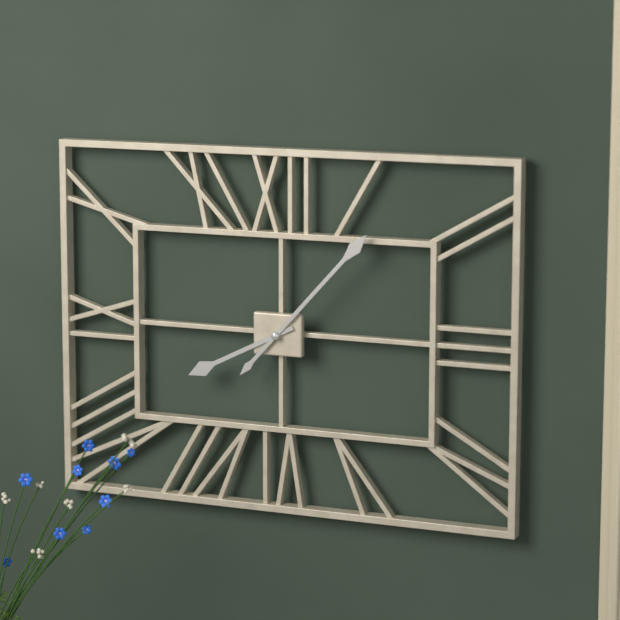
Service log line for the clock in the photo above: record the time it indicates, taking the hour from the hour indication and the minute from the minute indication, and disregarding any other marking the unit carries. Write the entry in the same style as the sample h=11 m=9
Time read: h=8 m=7
